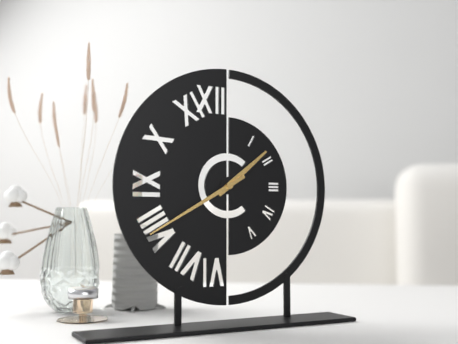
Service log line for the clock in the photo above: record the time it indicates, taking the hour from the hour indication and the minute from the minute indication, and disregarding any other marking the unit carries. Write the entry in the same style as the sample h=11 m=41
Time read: h=1 m=40
